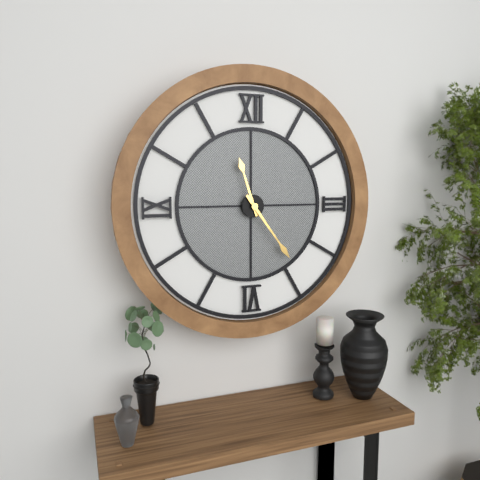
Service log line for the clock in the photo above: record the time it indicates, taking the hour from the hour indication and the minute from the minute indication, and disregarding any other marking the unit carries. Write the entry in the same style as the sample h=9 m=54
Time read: h=11 m=24
